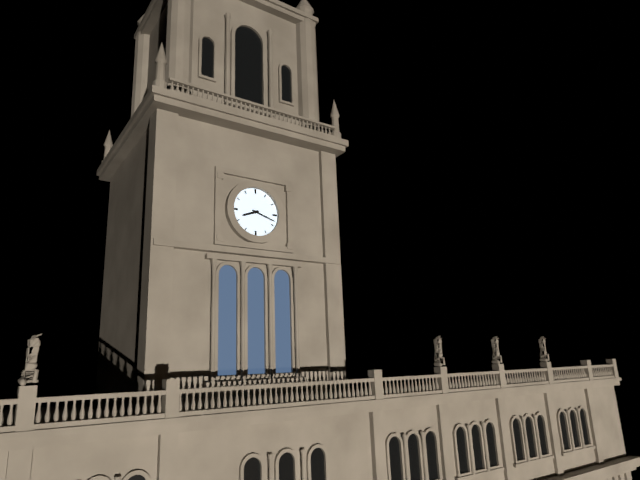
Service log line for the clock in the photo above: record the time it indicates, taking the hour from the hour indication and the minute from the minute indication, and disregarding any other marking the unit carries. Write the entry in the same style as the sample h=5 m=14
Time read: h=8 m=18
